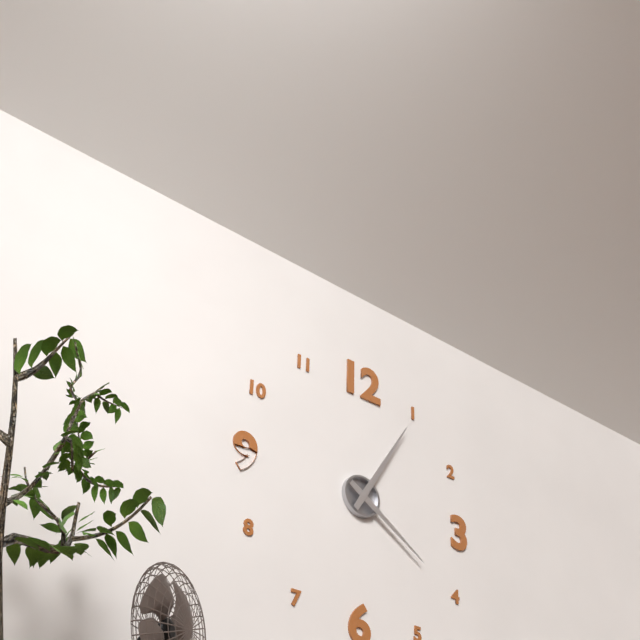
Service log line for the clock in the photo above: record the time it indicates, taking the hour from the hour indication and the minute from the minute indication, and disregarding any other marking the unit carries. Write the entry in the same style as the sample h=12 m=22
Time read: h=4 m=5
